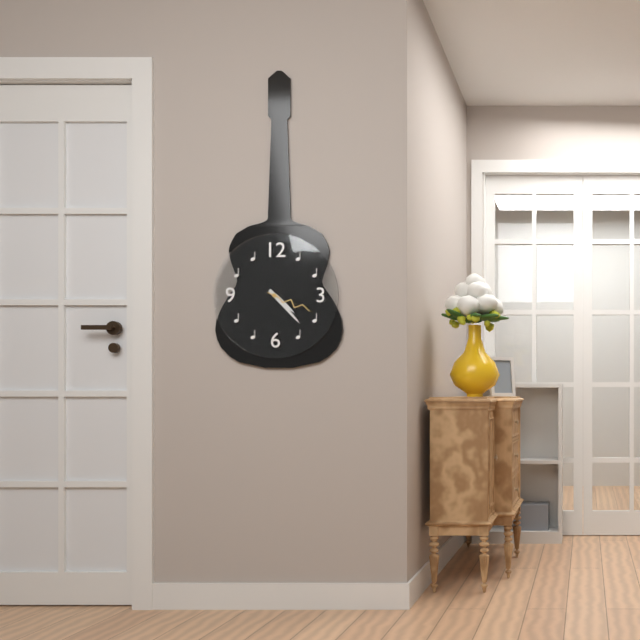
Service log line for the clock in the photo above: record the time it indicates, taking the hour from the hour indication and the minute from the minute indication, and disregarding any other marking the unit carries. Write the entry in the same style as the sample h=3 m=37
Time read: h=4 m=23
